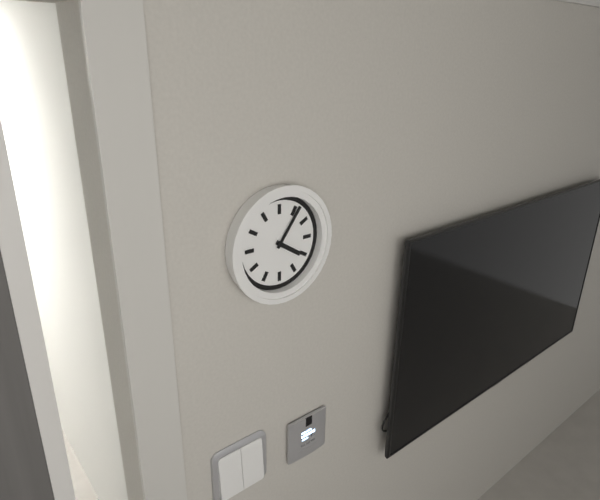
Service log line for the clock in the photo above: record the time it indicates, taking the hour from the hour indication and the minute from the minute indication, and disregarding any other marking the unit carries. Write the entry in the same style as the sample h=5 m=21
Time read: h=4 m=6
